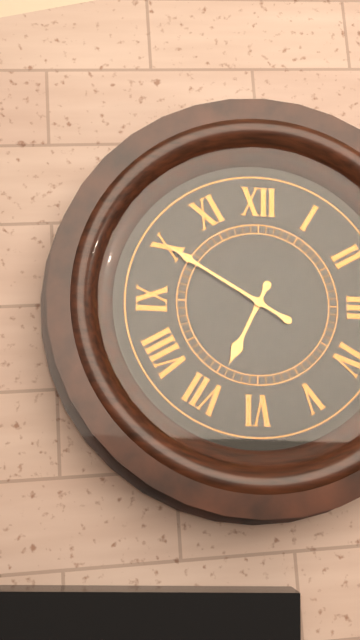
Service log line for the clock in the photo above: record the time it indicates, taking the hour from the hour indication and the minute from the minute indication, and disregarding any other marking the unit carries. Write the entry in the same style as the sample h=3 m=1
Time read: h=6 m=50
